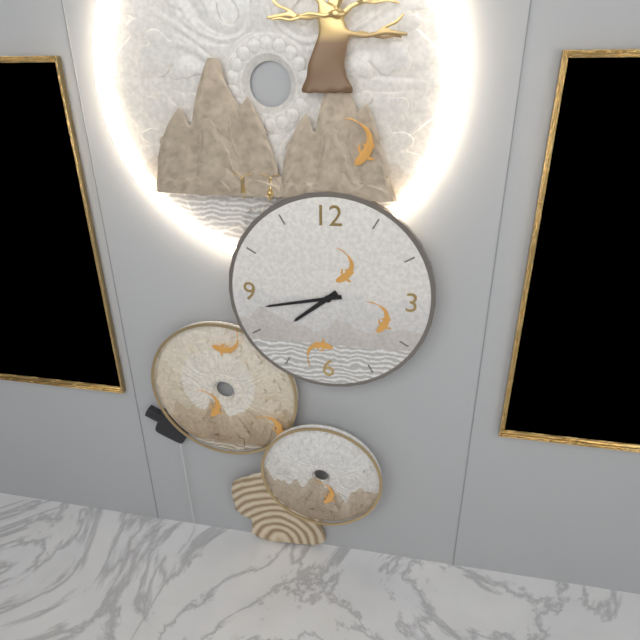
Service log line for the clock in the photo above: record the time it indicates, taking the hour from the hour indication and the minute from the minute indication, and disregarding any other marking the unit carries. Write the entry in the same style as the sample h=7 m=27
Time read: h=7 m=43
